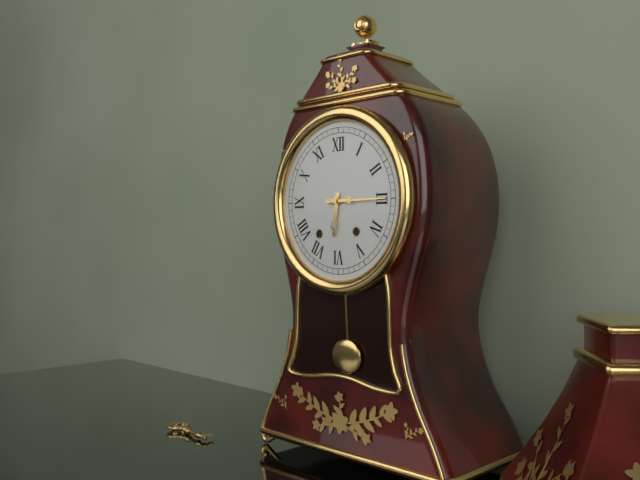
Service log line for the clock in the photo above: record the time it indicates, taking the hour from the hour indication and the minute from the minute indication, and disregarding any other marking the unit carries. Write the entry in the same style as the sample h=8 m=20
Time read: h=6 m=15
